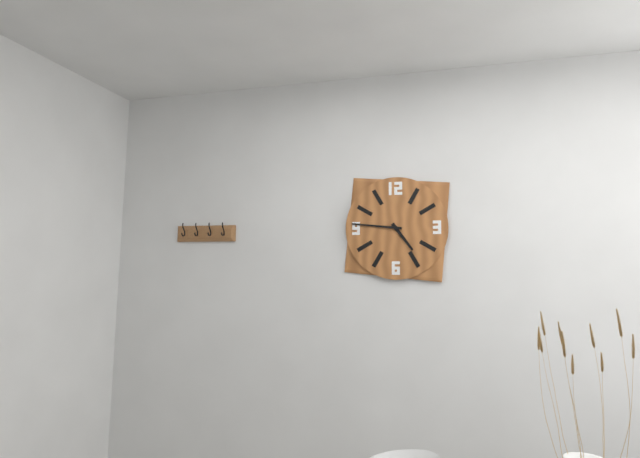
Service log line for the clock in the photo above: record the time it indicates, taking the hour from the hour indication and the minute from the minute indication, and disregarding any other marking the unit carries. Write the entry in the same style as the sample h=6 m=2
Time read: h=4 m=46
